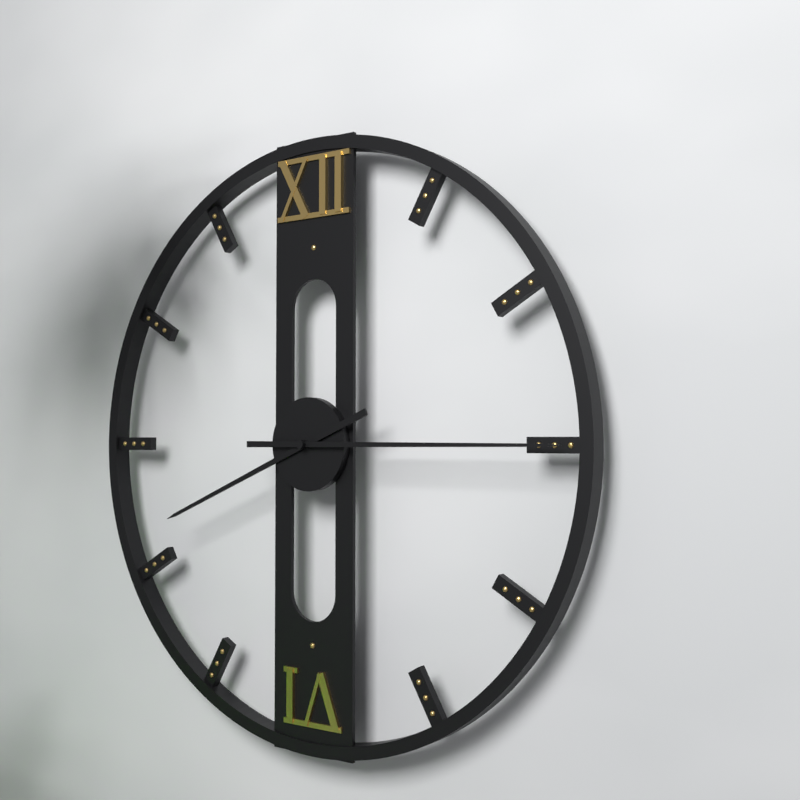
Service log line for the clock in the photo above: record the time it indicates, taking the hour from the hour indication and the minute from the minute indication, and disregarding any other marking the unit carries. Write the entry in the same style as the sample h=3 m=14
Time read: h=8 m=15
